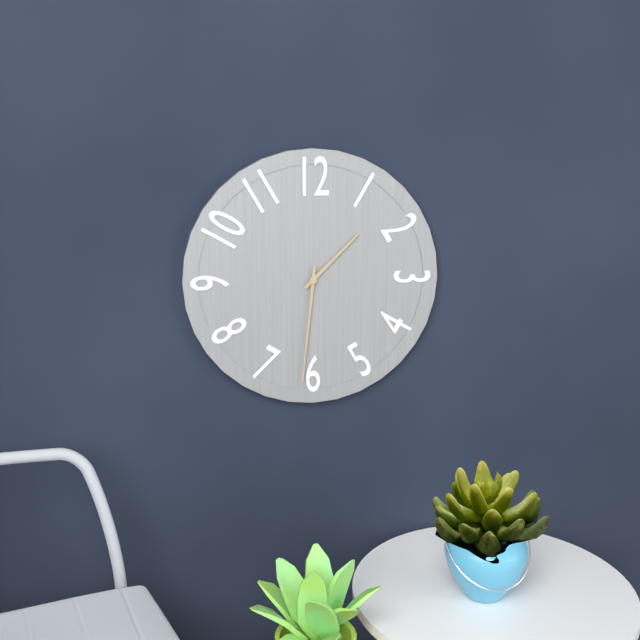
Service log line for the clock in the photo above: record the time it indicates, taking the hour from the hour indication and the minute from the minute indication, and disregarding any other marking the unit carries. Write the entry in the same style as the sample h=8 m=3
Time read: h=1 m=31
